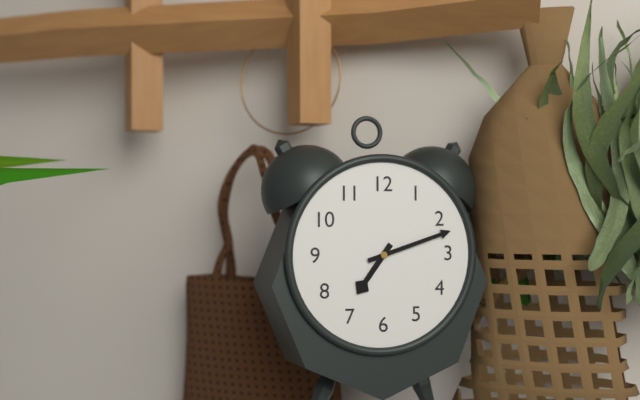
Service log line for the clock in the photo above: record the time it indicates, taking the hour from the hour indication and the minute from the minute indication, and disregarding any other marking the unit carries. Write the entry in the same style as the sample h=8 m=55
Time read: h=7 m=12
